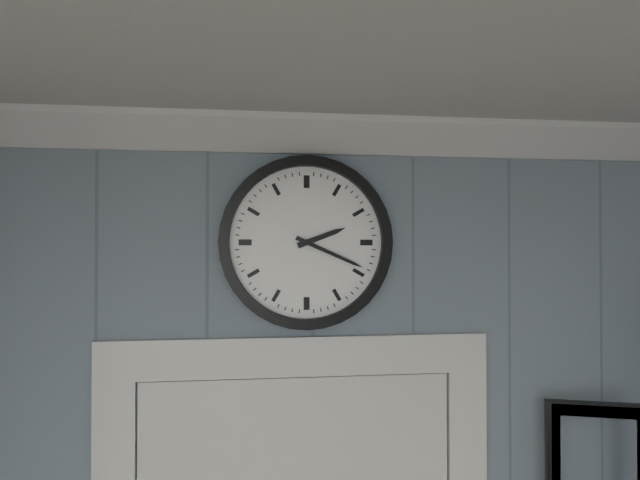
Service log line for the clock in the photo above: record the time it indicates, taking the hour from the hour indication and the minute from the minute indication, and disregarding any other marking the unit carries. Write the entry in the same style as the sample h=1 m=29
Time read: h=2 m=19
